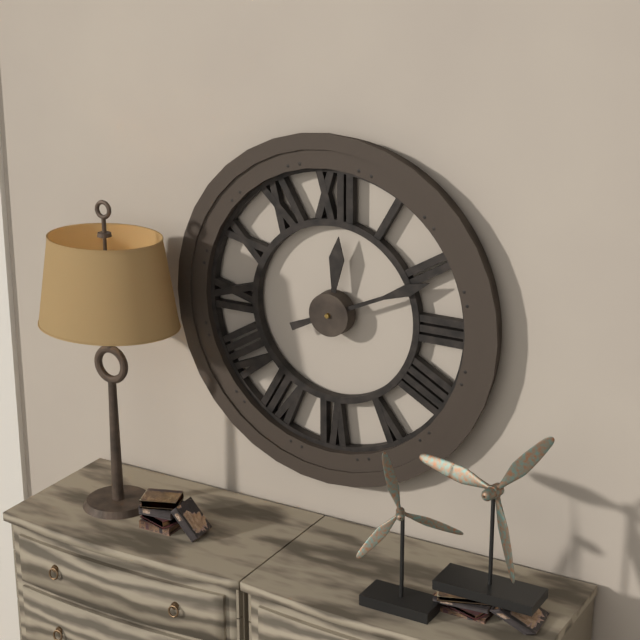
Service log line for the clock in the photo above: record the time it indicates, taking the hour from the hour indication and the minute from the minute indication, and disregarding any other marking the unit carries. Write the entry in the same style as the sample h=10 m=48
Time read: h=12 m=11
